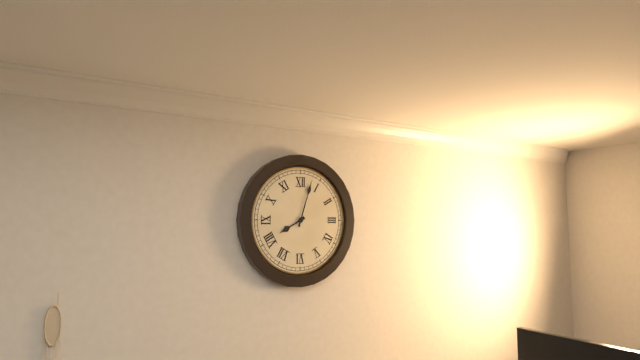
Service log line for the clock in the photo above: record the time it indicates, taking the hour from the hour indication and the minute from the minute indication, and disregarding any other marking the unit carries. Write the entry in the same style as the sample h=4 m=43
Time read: h=8 m=3
